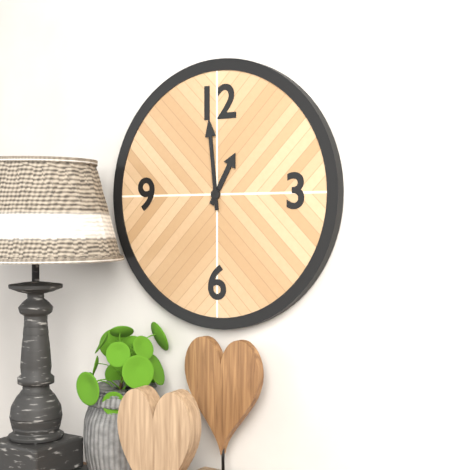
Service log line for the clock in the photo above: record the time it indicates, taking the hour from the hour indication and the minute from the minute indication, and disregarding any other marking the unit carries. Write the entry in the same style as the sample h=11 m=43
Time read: h=12 m=59
